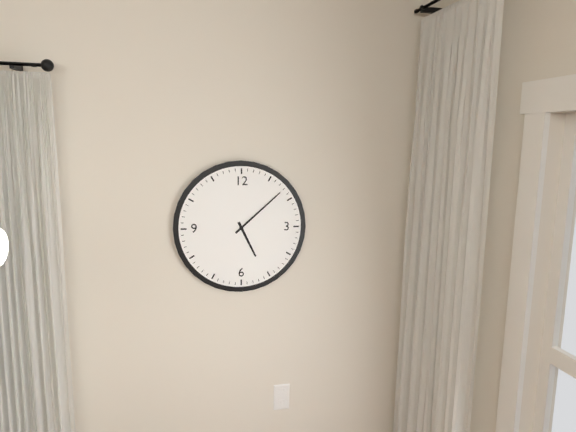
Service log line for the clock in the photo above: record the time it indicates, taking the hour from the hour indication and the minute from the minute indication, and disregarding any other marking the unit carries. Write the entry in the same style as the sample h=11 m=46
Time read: h=5 m=8
